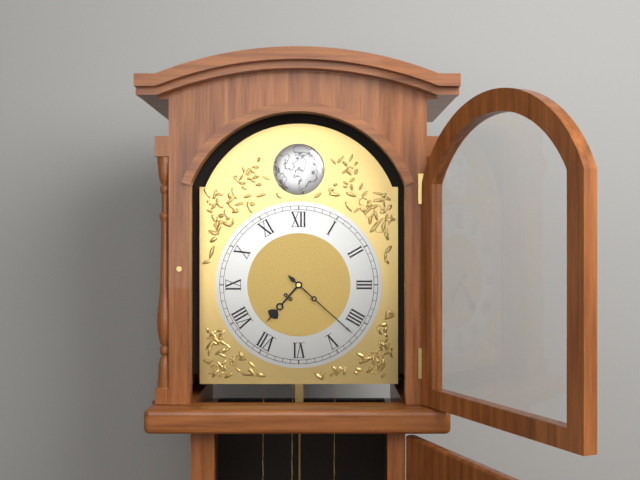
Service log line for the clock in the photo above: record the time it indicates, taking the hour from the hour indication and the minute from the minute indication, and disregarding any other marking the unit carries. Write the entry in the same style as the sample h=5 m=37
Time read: h=7 m=22
